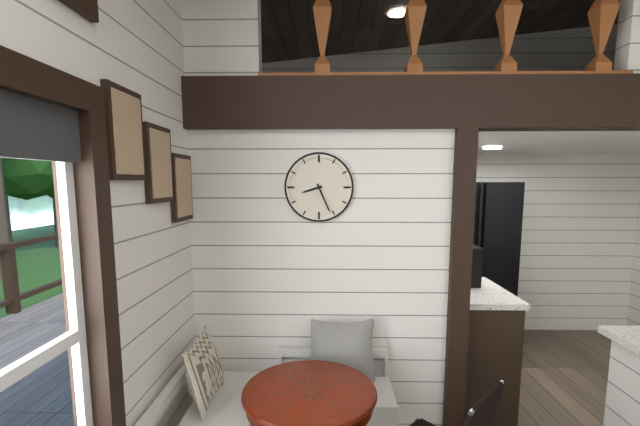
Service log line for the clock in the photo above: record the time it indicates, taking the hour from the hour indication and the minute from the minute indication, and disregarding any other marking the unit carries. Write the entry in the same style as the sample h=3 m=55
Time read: h=8 m=26
